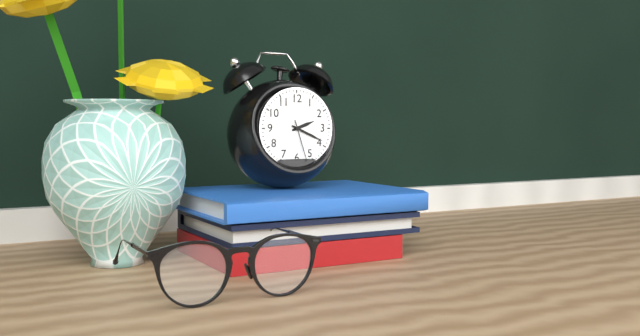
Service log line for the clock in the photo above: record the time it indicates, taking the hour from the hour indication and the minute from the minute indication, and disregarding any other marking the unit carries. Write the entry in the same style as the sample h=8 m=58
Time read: h=2 m=19
